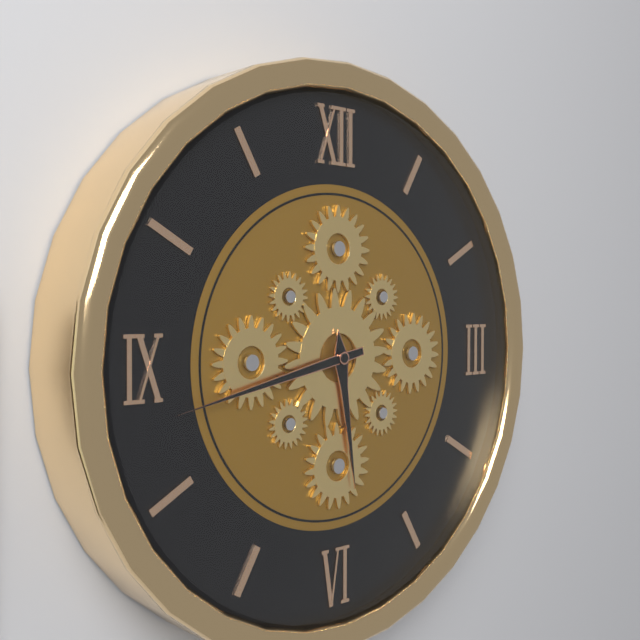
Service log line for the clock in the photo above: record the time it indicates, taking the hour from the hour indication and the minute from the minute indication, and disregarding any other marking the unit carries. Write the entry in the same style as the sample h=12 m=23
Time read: h=5 m=43
